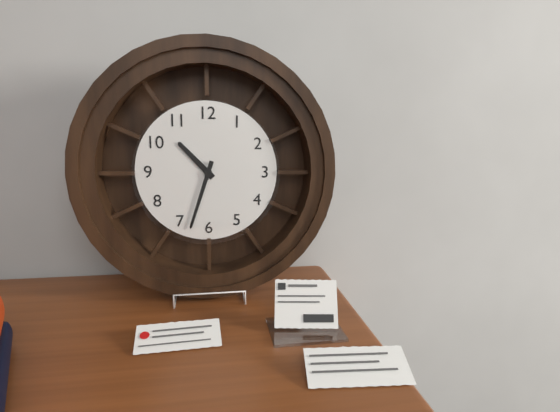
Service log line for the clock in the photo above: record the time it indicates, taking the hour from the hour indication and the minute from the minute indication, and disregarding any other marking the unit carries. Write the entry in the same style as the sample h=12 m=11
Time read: h=10 m=33
